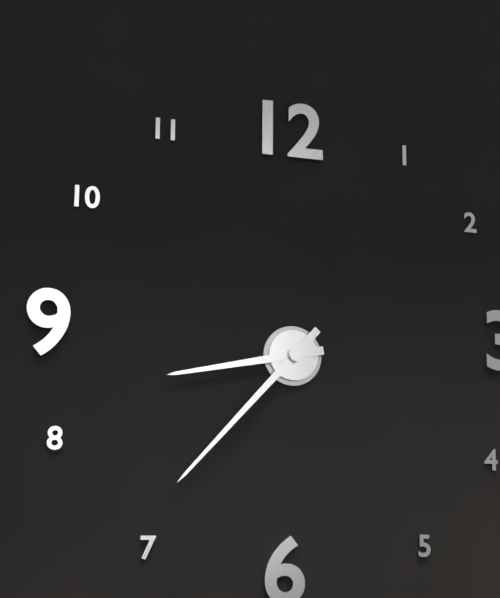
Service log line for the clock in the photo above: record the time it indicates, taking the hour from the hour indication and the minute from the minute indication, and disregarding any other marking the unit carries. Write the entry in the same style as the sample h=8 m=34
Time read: h=8 m=37
